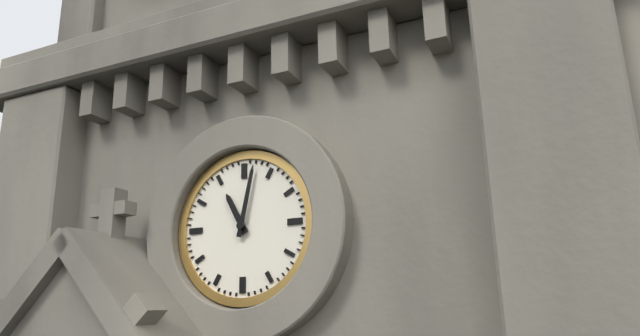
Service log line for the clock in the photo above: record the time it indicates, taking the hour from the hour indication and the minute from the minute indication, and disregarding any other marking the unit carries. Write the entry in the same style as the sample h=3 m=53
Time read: h=11 m=2
